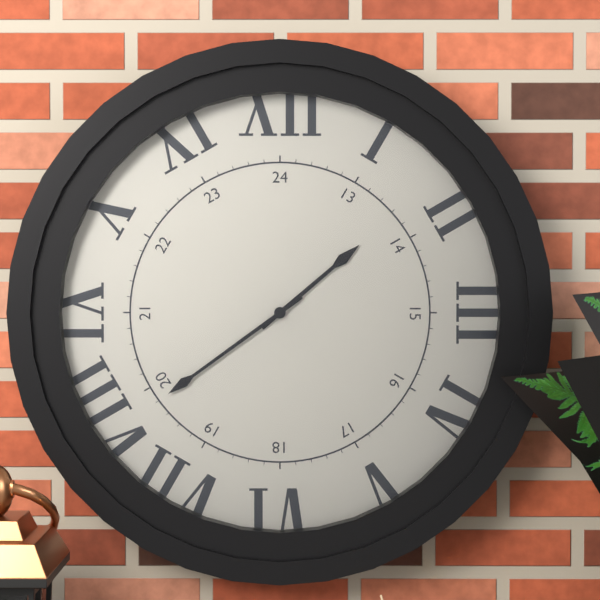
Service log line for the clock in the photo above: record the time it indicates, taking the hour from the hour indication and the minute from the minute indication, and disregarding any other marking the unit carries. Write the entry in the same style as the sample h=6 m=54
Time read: h=1 m=39
